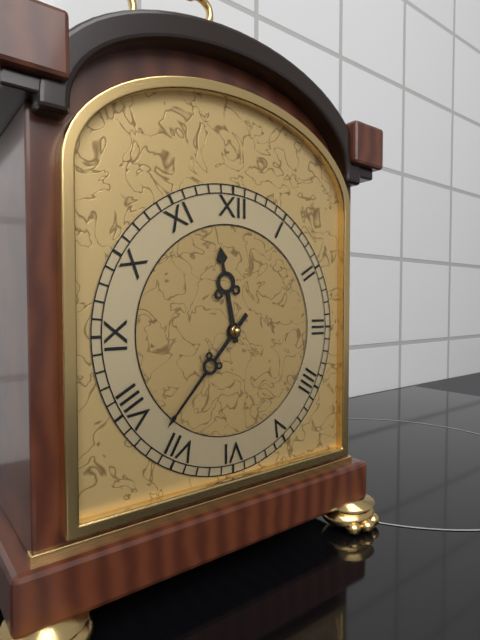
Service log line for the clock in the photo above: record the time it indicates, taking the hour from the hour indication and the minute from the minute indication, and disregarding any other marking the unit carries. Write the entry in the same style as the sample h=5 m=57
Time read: h=11 m=37
